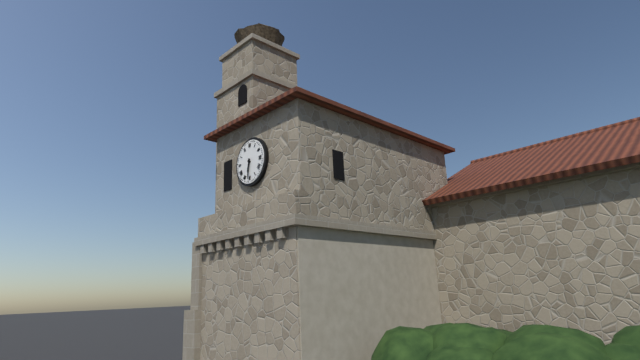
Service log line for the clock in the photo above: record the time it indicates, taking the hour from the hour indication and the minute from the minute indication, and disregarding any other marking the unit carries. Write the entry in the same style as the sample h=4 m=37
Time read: h=6 m=31
